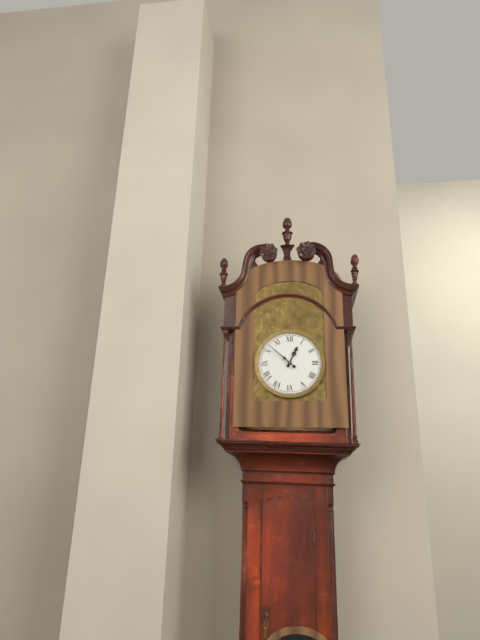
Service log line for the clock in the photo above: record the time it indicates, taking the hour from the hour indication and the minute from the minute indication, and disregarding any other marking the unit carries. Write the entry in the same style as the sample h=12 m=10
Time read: h=12 m=52
